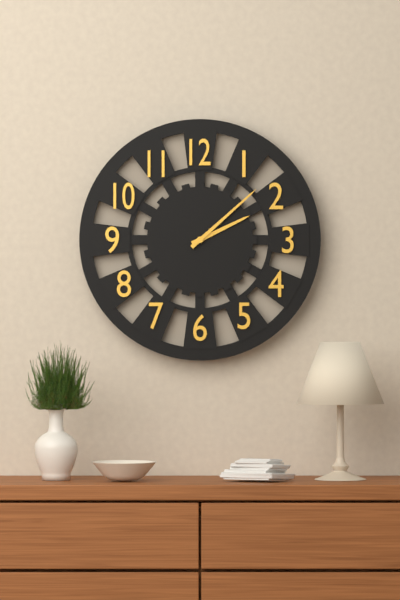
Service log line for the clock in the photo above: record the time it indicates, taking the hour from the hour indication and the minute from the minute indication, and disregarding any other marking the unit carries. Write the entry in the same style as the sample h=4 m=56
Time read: h=2 m=8
